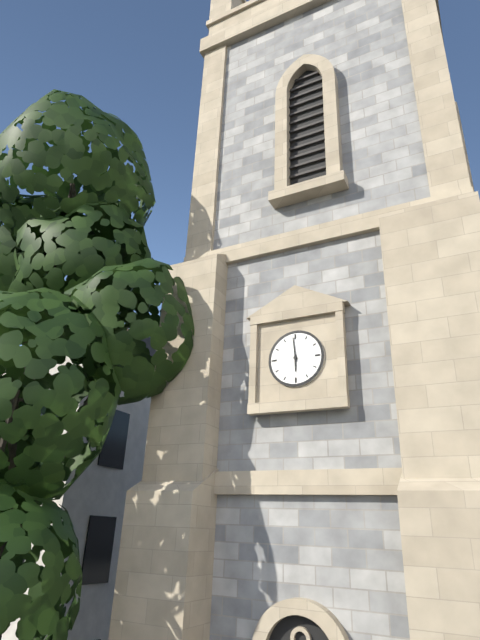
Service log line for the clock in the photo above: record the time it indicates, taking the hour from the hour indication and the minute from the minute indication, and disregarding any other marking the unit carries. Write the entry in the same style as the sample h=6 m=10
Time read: h=5 m=59
